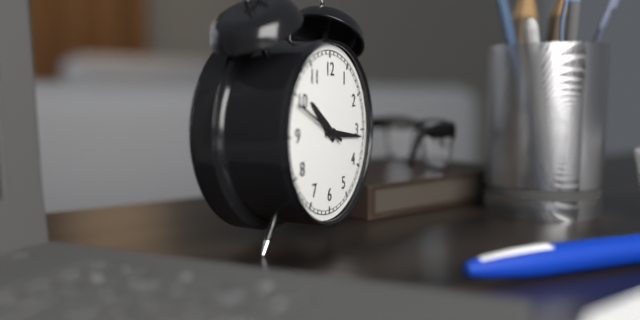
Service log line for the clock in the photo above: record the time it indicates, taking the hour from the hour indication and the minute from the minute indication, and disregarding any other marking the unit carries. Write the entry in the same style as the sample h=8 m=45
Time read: h=10 m=16
